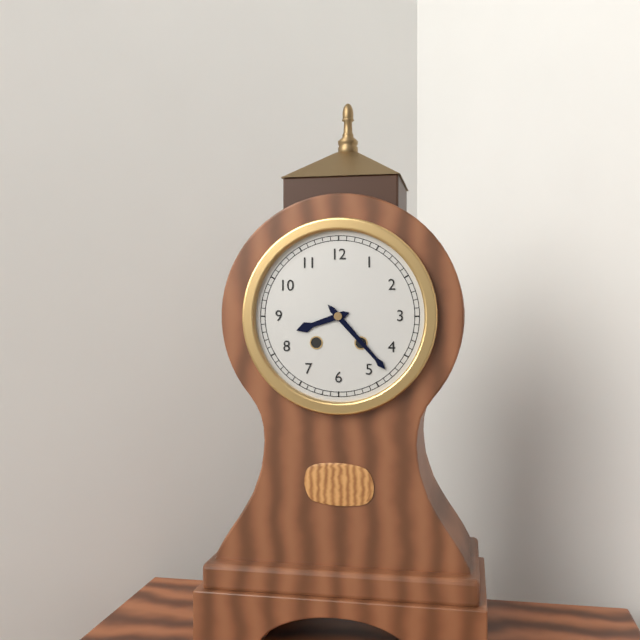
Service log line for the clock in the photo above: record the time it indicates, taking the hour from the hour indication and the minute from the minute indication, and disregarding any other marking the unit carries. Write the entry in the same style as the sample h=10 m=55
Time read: h=8 m=23
